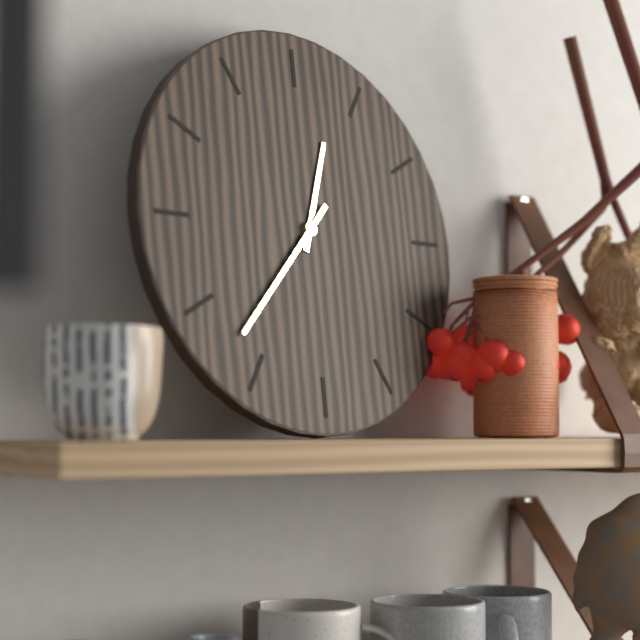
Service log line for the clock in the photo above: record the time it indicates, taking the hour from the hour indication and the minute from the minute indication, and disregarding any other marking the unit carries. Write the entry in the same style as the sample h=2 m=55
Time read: h=12 m=37
